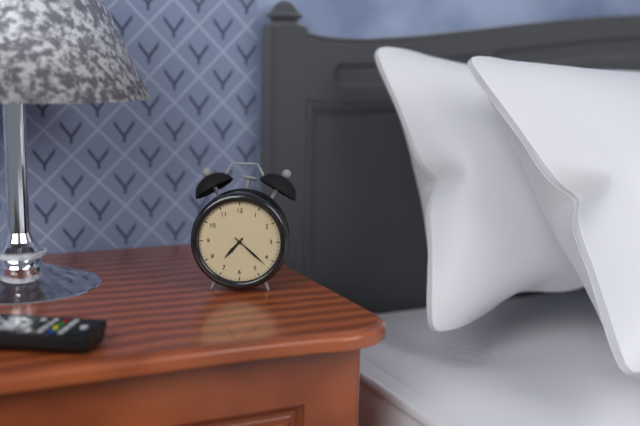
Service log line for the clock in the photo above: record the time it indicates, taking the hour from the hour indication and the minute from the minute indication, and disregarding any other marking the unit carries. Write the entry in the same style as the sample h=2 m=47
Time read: h=7 m=22
